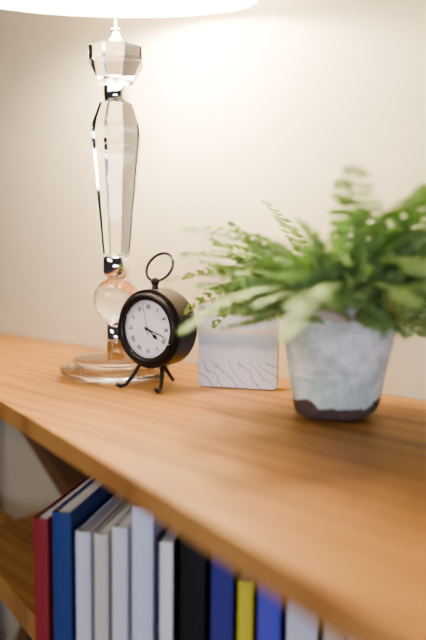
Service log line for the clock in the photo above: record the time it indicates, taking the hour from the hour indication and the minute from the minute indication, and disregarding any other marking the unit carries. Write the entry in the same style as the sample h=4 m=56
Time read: h=4 m=18
